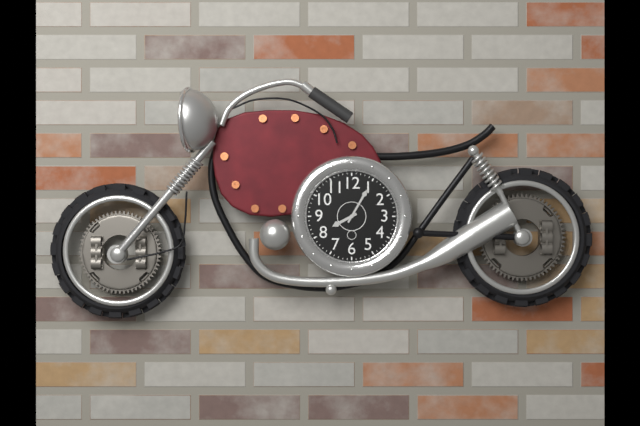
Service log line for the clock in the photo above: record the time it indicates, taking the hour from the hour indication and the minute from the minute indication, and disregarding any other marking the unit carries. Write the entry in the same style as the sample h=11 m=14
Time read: h=8 m=5
